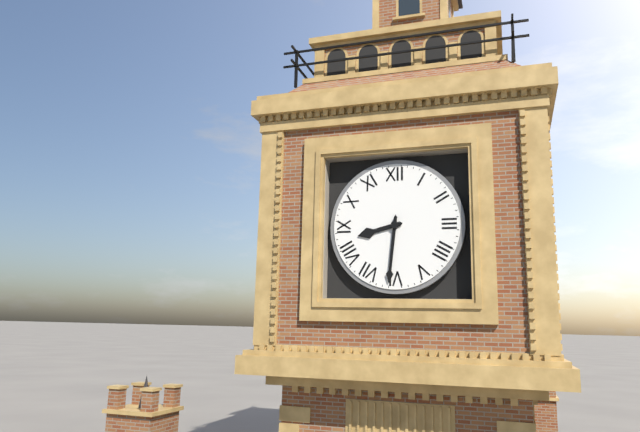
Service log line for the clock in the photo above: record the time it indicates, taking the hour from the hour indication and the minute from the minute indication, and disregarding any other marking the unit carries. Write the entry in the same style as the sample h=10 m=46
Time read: h=8 m=31
